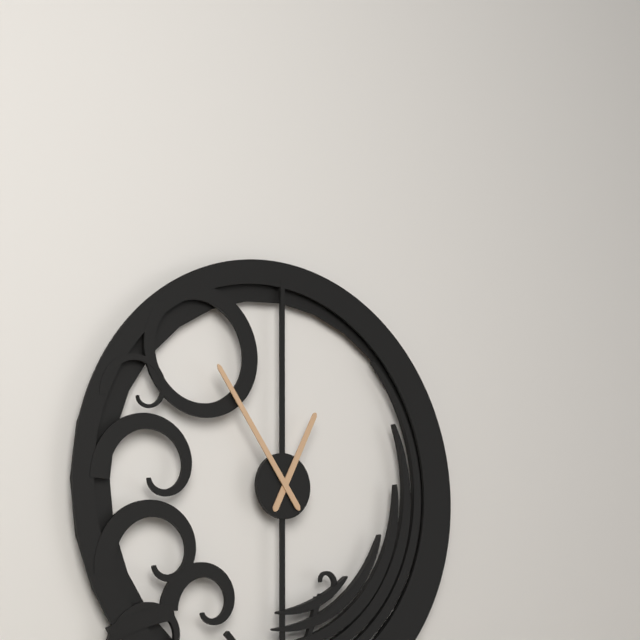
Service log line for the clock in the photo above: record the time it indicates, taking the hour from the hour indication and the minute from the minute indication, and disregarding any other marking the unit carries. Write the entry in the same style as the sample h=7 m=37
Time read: h=12 m=54
